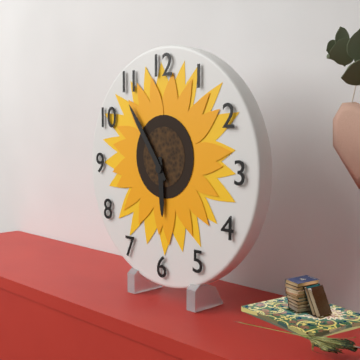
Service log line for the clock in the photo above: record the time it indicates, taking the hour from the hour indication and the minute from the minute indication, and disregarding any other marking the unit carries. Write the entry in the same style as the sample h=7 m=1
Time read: h=5 m=54
